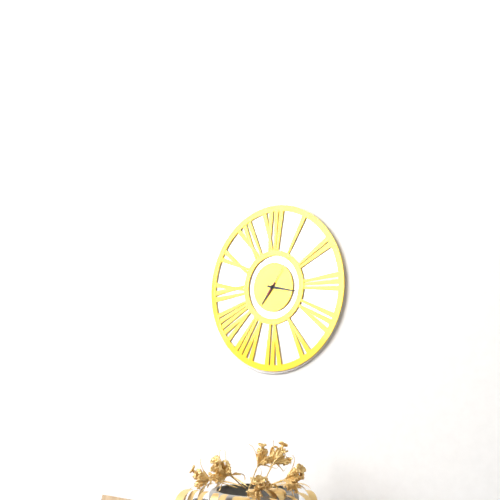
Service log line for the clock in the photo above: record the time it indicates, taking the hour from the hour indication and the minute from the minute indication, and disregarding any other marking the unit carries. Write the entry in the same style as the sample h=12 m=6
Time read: h=7 m=17
